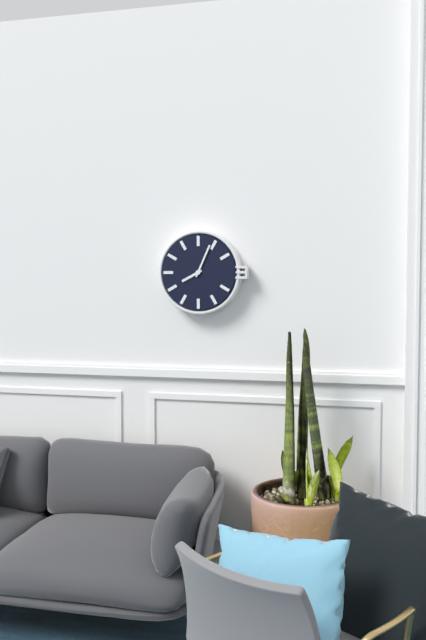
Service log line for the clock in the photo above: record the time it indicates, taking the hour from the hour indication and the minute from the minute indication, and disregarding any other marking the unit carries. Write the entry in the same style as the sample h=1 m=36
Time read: h=8 m=4
